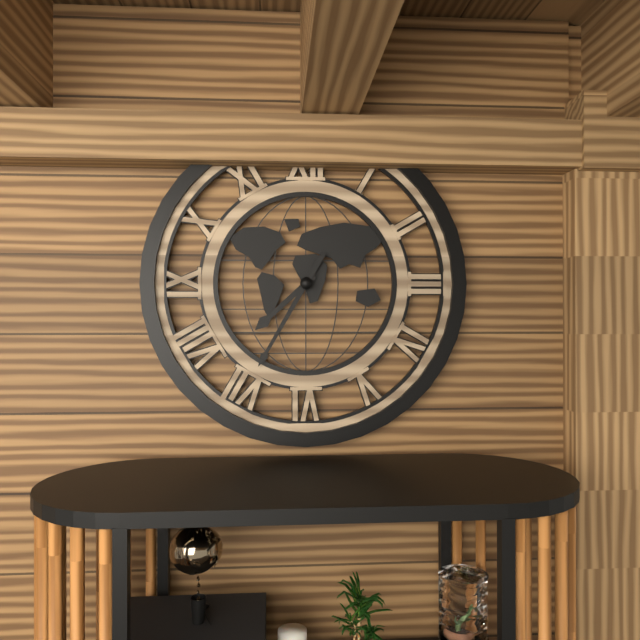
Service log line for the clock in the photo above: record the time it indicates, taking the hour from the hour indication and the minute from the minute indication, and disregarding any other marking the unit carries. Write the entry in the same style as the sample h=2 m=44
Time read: h=7 m=35
